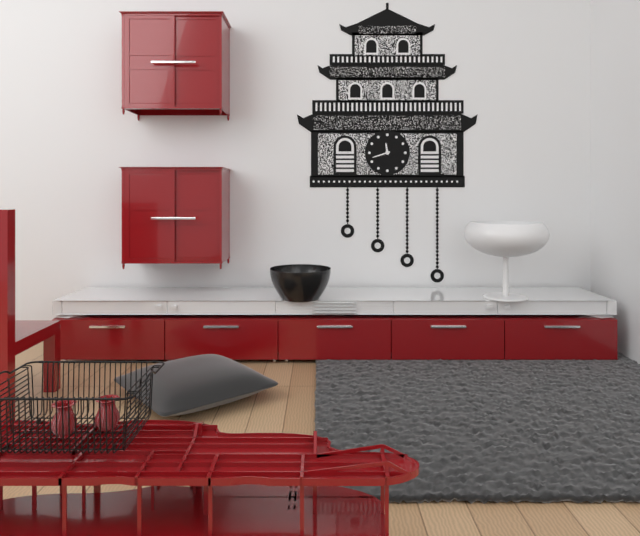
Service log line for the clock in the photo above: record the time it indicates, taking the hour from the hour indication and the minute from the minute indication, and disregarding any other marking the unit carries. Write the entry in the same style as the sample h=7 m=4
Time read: h=11 m=42
